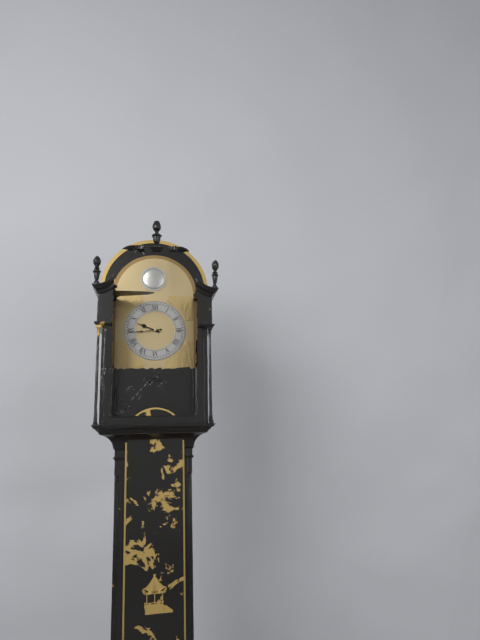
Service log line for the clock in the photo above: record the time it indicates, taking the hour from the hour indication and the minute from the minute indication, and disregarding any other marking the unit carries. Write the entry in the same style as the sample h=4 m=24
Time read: h=9 m=44
